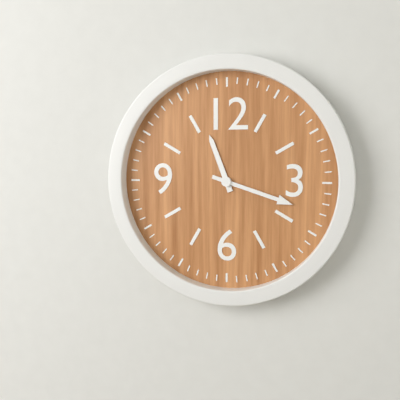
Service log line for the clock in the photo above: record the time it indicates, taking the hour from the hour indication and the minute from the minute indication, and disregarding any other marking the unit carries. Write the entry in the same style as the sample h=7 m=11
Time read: h=11 m=18
